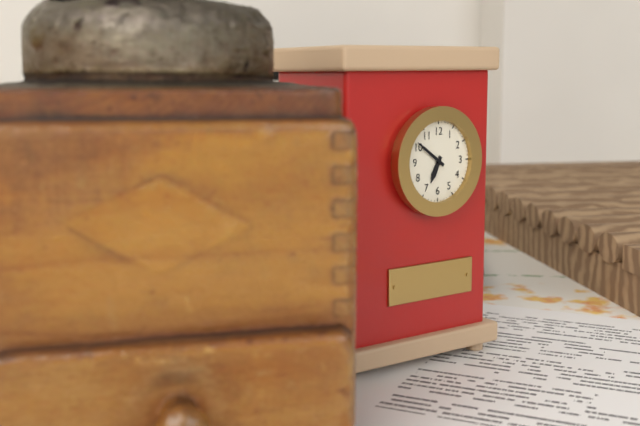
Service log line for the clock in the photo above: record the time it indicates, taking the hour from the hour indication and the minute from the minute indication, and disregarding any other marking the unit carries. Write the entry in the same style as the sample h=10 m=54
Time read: h=6 m=51
